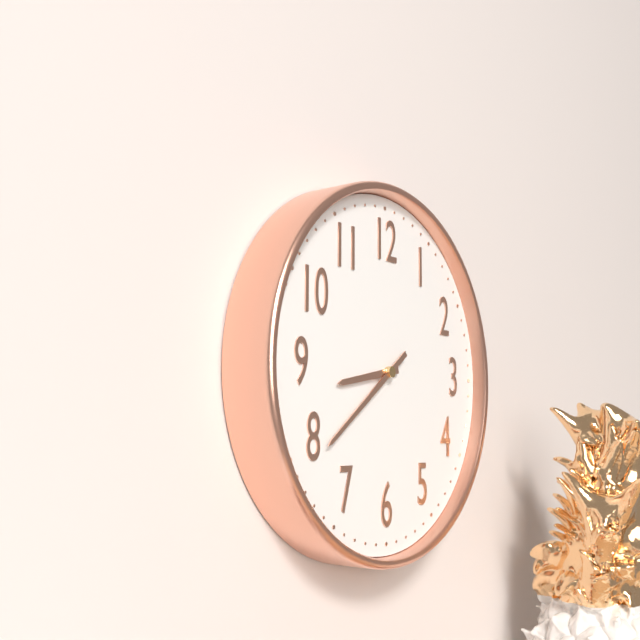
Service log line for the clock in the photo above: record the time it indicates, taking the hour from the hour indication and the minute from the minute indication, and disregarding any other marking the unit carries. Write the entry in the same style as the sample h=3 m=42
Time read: h=8 m=39
